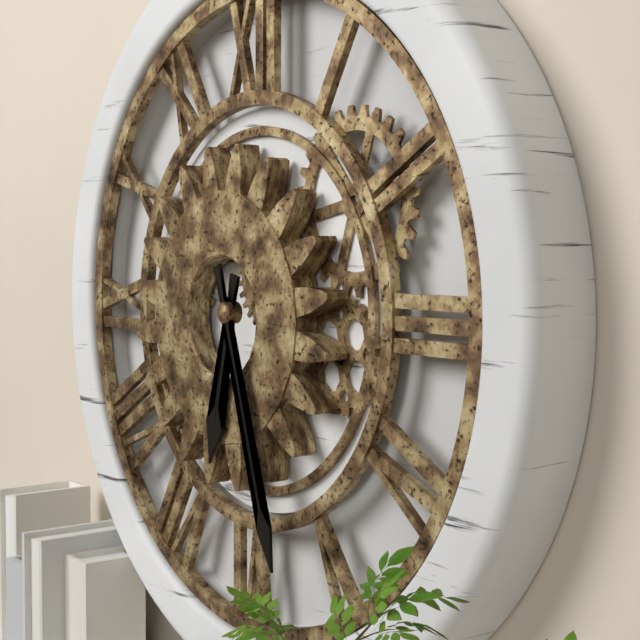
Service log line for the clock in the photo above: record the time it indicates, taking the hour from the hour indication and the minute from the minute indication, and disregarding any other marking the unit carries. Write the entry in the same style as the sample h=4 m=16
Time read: h=6 m=27
